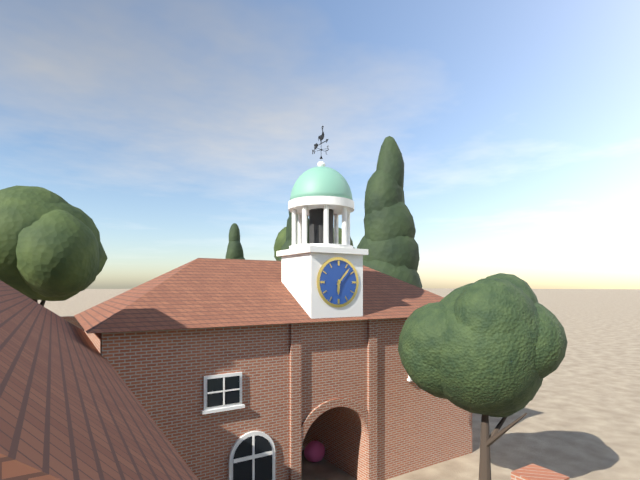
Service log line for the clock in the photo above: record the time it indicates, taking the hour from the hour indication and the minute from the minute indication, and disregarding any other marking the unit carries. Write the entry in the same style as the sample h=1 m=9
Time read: h=6 m=7
